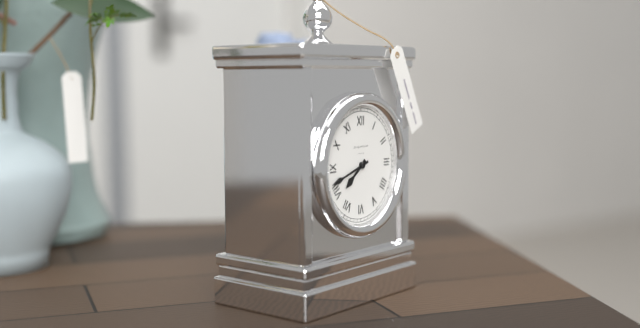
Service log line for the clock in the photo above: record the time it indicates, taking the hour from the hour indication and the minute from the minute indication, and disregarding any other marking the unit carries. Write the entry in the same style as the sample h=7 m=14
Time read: h=7 m=42
